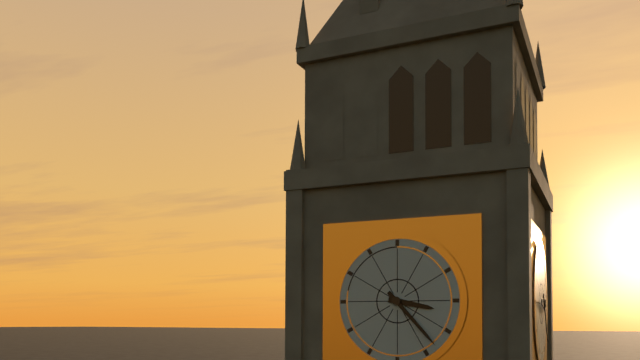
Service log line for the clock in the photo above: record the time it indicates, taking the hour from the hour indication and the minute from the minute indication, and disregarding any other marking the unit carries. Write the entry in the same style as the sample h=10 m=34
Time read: h=3 m=23
